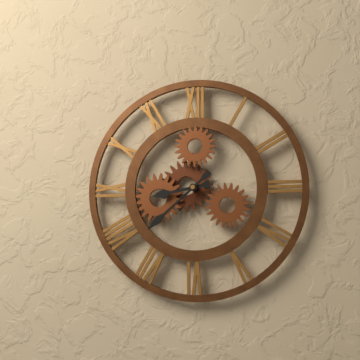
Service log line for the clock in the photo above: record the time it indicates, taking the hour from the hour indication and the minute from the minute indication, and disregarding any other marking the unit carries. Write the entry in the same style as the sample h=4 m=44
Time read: h=8 m=38
